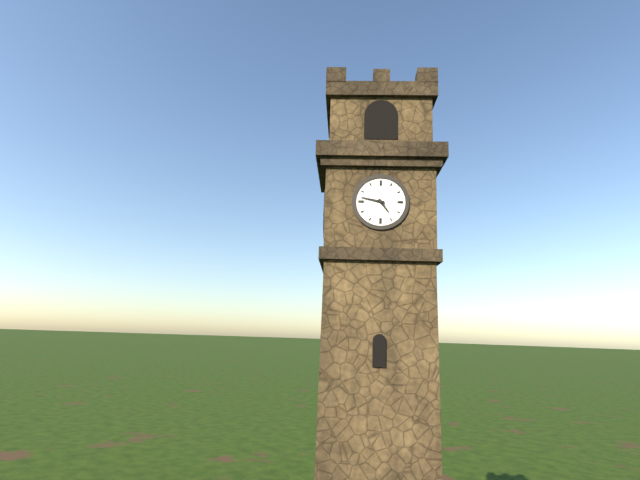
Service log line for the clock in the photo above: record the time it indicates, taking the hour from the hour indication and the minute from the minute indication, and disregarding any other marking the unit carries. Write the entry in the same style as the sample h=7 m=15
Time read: h=4 m=47
